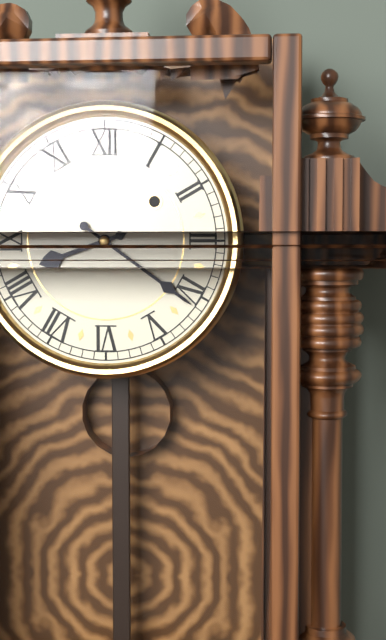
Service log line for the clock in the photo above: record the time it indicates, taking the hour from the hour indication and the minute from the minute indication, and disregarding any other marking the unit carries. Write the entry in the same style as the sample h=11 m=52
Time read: h=8 m=21
